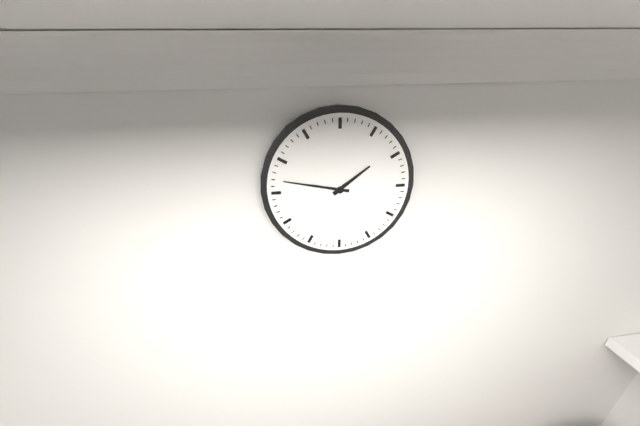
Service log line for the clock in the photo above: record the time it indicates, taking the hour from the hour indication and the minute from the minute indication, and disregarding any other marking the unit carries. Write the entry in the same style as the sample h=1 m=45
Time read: h=1 m=47
